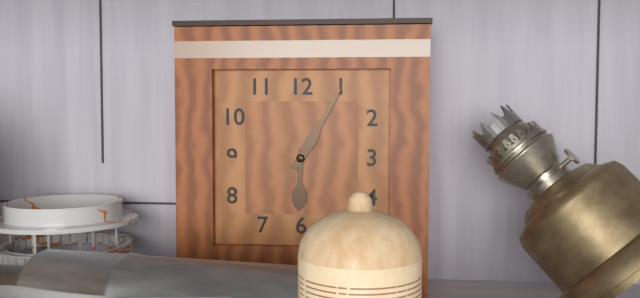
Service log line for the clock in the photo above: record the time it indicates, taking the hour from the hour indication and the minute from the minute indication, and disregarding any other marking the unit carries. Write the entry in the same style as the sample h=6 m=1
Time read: h=6 m=5
